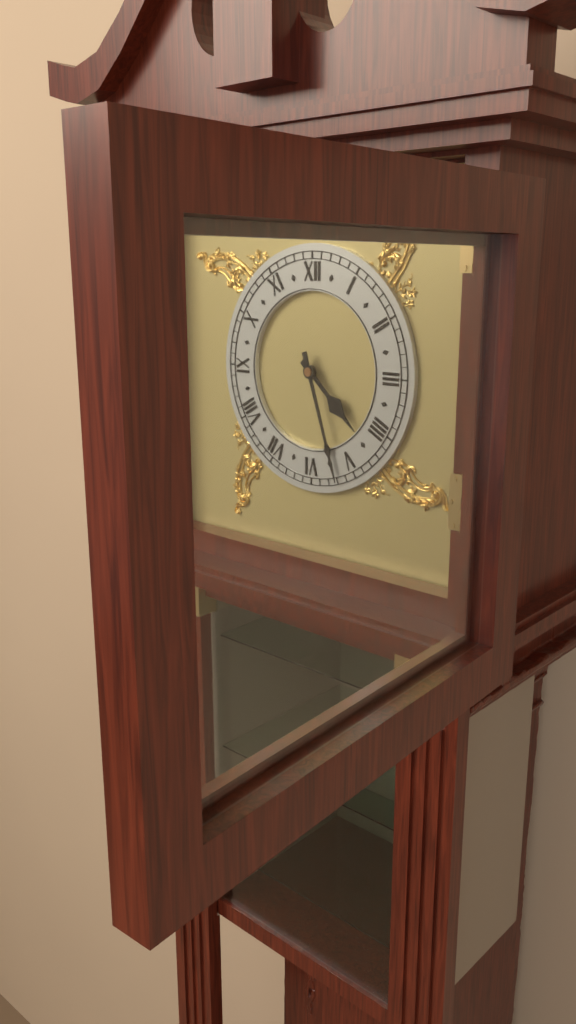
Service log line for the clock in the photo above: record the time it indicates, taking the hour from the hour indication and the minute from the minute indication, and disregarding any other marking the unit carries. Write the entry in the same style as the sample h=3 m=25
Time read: h=4 m=27
